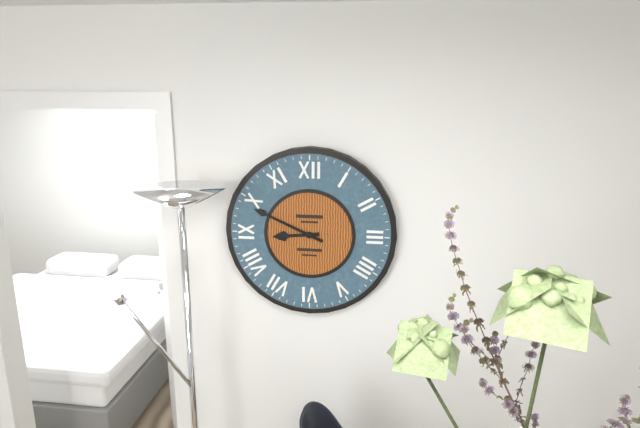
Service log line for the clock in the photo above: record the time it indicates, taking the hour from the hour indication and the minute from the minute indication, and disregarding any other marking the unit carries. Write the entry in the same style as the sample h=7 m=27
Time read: h=8 m=49
